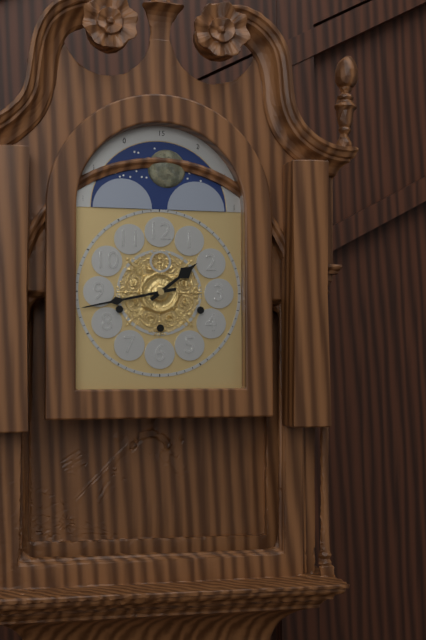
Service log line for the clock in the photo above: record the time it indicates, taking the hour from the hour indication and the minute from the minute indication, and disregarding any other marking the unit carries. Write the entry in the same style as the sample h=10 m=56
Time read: h=1 m=43
